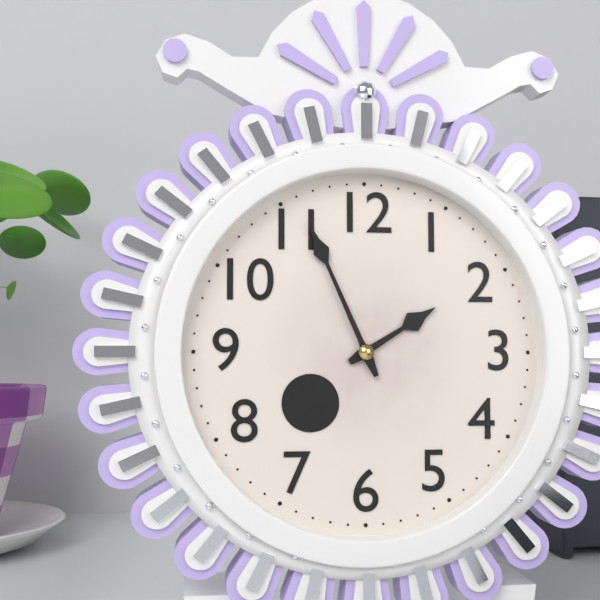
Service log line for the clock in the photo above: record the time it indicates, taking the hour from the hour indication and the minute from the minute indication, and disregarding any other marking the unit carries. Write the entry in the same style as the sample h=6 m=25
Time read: h=1 m=56
